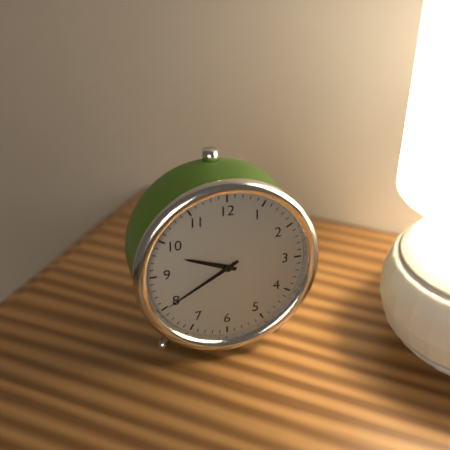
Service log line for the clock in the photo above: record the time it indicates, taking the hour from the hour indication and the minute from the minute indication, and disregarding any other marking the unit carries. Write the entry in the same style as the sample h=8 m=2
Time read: h=9 m=40
